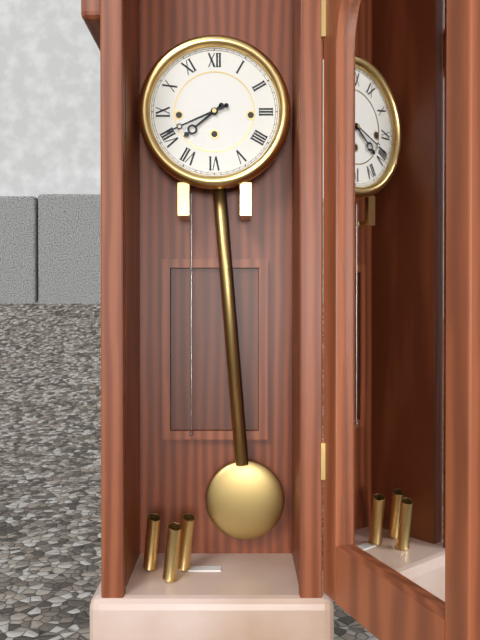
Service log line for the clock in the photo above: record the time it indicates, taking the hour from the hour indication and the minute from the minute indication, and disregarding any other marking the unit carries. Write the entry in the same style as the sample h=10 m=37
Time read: h=7 m=41
